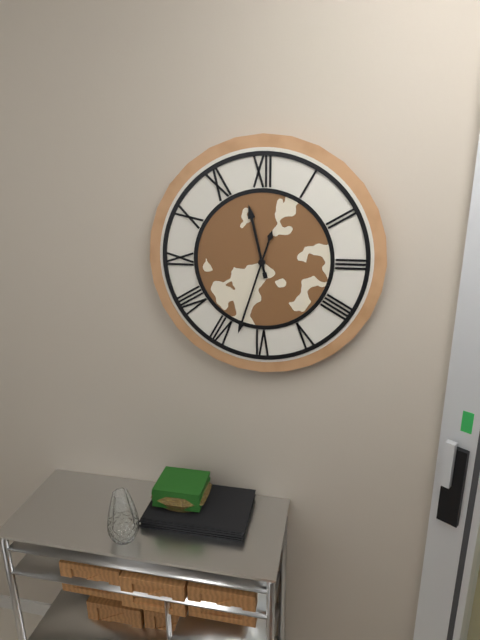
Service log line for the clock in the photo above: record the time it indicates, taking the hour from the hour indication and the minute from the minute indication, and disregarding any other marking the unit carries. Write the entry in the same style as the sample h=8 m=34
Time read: h=11 m=33
